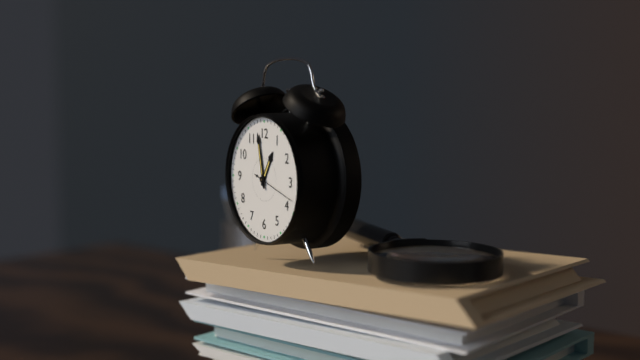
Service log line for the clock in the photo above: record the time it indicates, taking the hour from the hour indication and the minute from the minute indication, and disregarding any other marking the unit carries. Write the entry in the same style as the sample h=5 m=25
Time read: h=12 m=58
